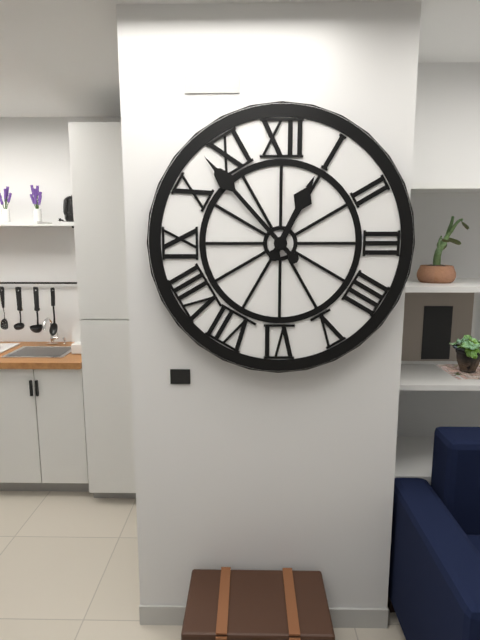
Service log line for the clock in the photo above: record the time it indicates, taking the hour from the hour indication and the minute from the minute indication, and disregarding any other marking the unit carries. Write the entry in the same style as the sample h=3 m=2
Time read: h=12 m=53
